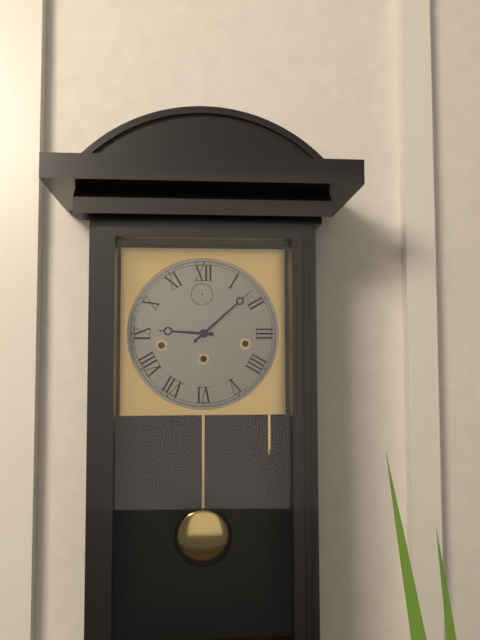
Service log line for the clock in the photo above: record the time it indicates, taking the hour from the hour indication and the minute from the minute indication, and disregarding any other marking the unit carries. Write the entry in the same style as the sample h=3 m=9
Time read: h=9 m=8
